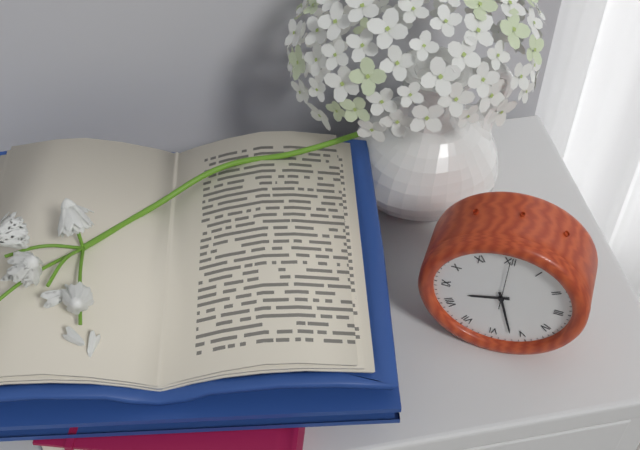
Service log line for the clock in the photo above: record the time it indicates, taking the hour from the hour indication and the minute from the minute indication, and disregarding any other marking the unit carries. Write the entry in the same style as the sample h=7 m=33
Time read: h=8 m=27
